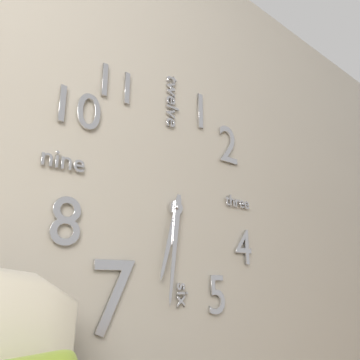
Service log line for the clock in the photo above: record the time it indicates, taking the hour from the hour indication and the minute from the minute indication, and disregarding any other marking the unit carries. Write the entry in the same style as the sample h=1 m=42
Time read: h=6 m=31
